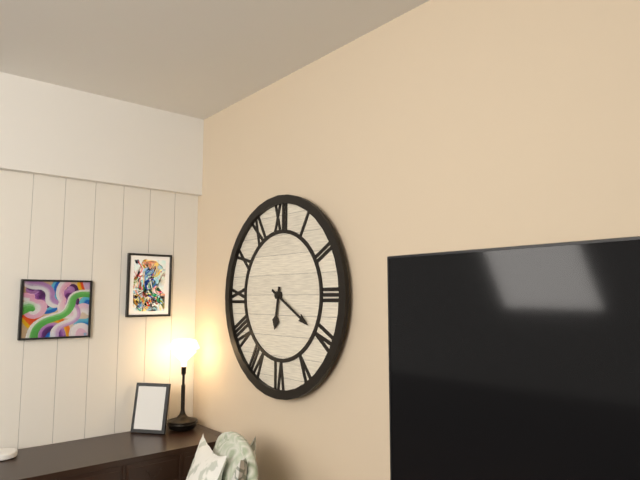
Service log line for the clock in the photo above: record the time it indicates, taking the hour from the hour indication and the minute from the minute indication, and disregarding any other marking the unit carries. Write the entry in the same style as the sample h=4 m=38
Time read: h=6 m=20
